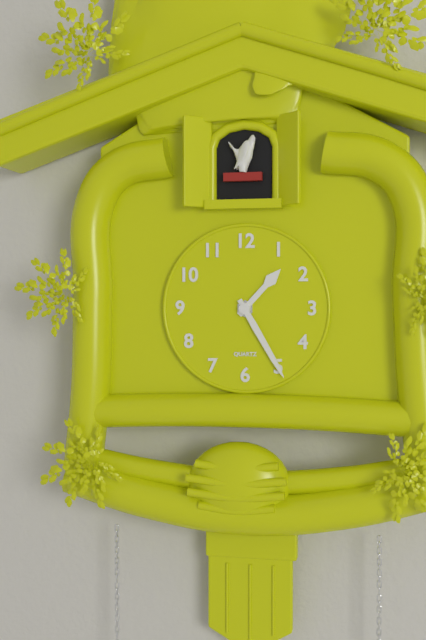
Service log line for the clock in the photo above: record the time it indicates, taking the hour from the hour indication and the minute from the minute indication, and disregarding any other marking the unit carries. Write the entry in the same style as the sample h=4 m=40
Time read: h=1 m=25
